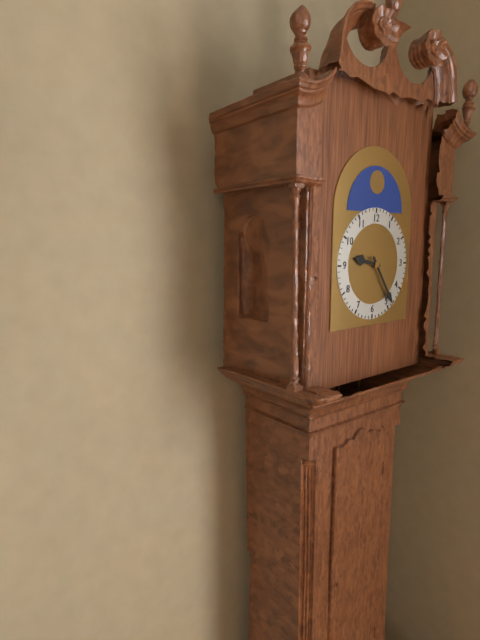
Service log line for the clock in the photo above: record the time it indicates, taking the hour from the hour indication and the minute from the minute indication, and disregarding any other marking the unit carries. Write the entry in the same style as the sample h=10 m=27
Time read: h=9 m=24
